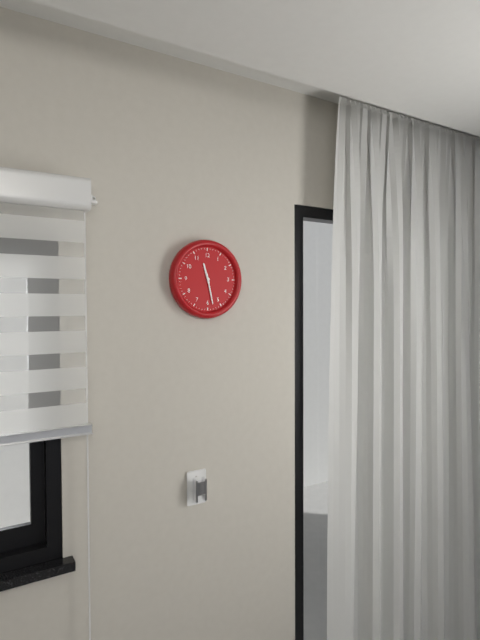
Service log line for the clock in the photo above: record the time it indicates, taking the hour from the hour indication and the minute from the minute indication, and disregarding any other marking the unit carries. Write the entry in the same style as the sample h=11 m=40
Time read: h=11 m=28
